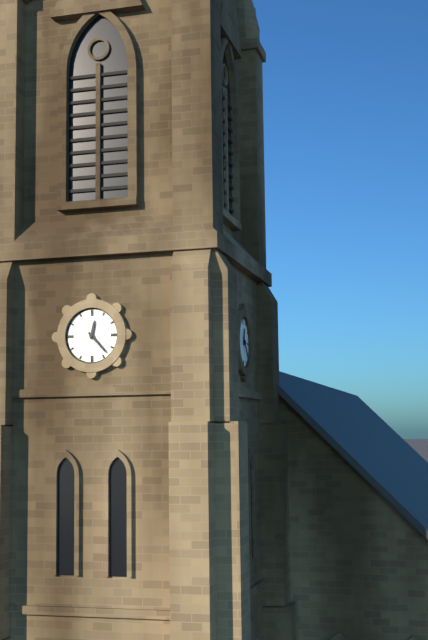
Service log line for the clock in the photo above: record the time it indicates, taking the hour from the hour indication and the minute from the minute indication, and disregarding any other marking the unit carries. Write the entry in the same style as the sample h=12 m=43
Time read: h=12 m=23
